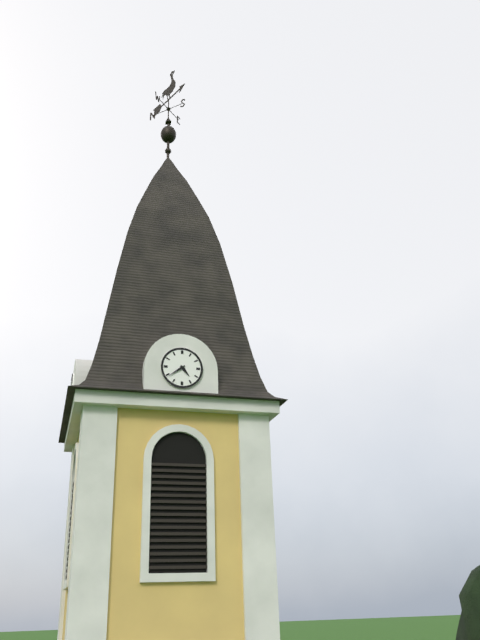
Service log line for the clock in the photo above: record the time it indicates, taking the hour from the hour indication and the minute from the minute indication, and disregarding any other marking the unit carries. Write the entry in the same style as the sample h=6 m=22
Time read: h=4 m=39
